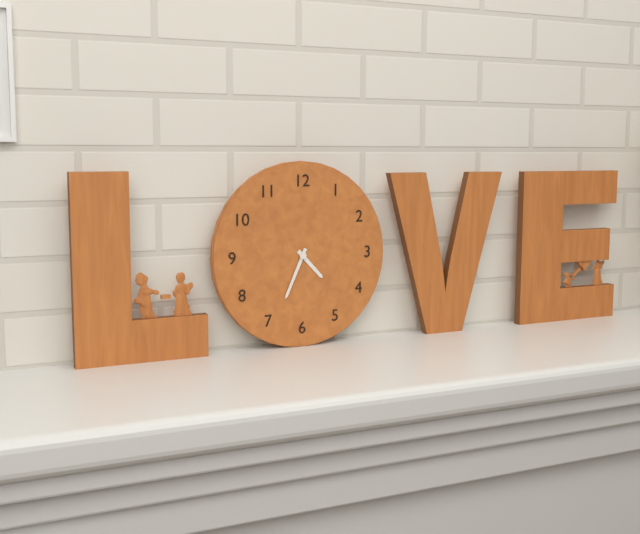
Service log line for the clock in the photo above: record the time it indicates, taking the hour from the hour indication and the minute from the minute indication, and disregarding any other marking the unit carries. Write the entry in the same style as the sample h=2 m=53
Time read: h=4 m=34
